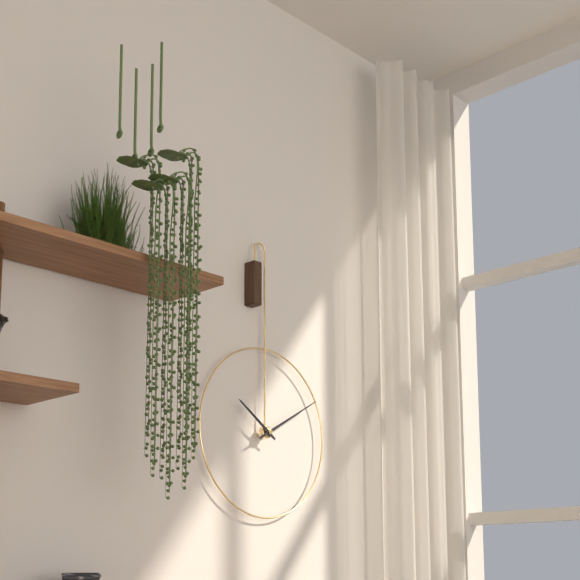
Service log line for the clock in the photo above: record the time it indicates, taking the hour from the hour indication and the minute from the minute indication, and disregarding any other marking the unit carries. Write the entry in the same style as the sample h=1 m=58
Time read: h=10 m=10
